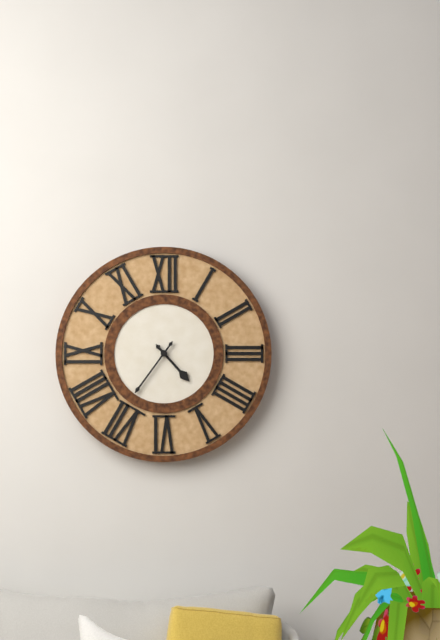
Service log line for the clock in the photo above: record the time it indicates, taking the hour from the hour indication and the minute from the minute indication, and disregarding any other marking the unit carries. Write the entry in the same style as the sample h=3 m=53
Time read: h=4 m=36
